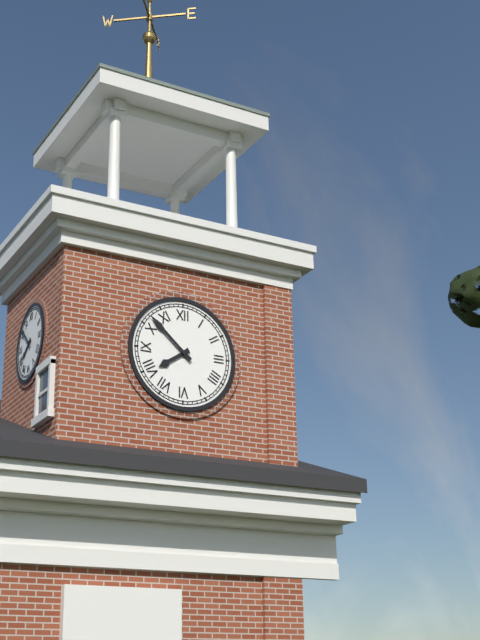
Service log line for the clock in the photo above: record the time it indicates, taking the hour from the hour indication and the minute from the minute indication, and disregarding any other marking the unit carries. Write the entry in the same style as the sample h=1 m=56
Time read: h=7 m=52
